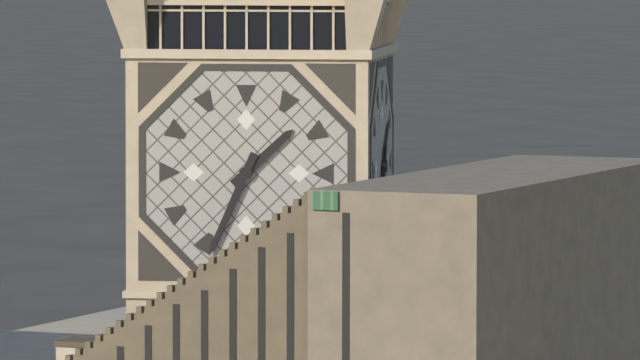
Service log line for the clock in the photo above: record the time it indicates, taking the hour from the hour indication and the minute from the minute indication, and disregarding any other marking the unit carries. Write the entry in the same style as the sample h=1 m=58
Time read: h=1 m=34
